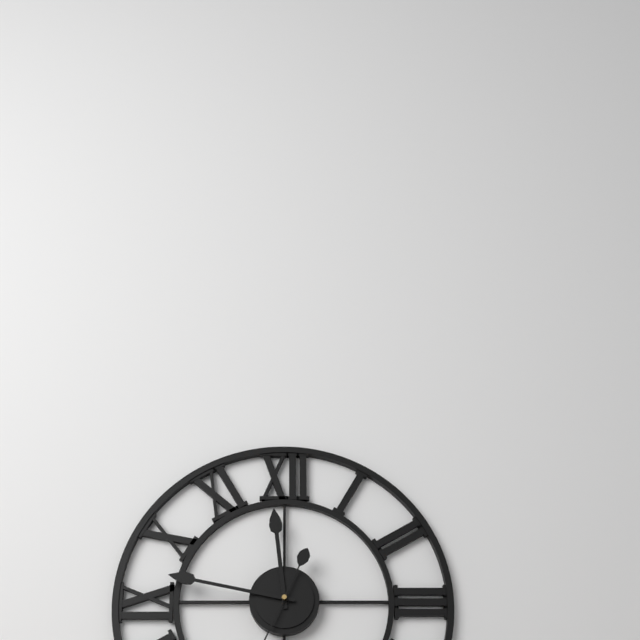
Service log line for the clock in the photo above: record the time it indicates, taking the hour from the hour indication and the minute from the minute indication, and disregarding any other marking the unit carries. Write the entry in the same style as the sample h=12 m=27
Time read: h=11 m=47
